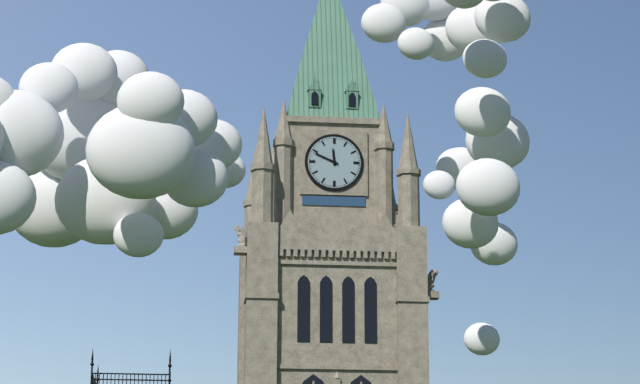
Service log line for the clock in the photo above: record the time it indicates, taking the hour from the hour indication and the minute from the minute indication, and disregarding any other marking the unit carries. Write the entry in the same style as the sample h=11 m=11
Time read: h=11 m=49
